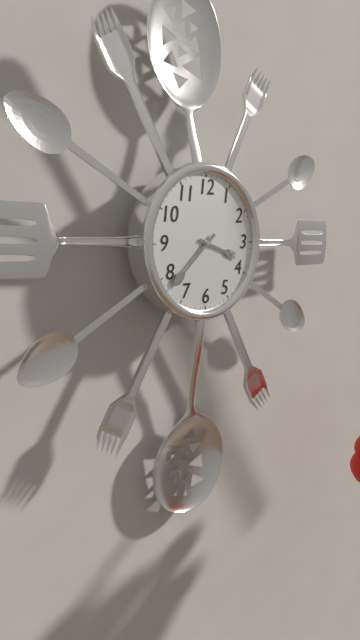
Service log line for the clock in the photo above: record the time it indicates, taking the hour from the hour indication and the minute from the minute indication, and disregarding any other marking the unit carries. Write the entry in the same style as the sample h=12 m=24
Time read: h=3 m=38
